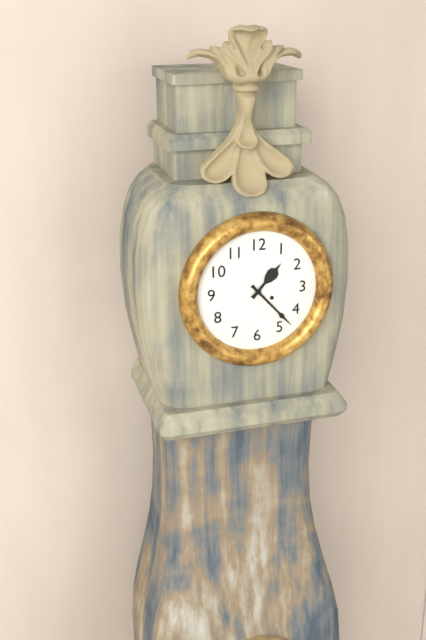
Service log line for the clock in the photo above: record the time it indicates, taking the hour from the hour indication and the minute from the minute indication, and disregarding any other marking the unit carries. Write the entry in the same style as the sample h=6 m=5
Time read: h=1 m=23
